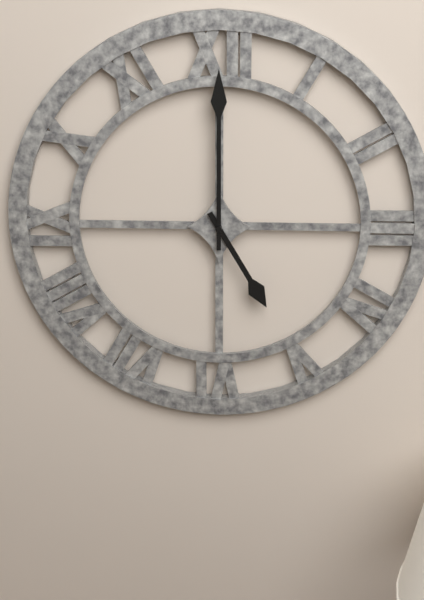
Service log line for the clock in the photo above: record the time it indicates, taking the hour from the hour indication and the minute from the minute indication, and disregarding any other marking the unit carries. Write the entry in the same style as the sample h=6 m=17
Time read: h=5 m=0
